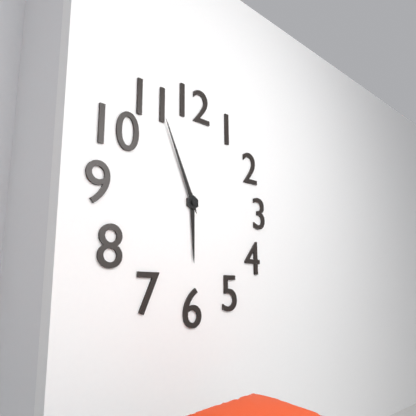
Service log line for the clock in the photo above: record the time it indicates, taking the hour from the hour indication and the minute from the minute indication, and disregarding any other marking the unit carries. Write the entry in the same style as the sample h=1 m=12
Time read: h=5 m=56
